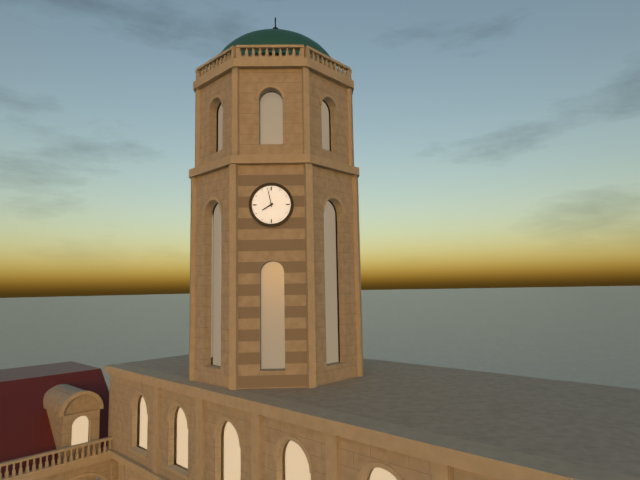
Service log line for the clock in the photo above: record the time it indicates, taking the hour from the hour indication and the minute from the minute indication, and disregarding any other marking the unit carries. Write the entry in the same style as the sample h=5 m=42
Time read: h=7 m=58
